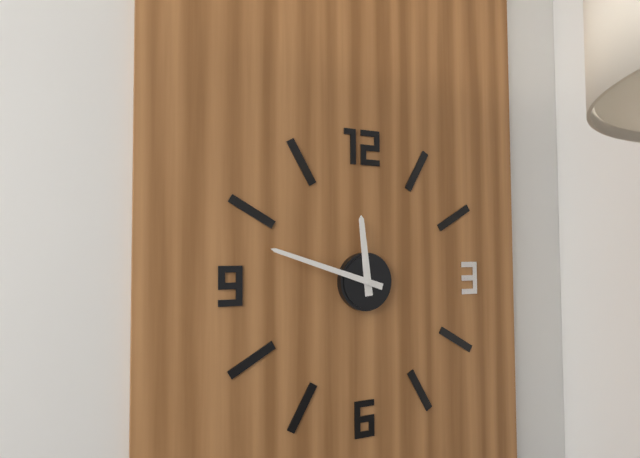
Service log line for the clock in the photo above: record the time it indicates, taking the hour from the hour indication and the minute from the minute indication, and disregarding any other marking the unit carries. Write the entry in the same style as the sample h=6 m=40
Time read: h=11 m=48
